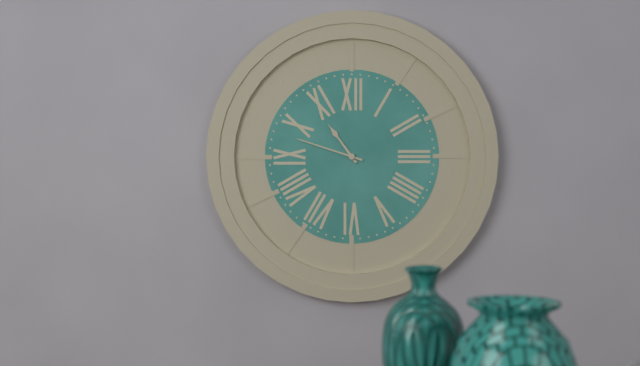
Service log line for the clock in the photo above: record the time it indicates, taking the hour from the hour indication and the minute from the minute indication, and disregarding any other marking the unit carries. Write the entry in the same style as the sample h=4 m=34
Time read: h=10 m=48
